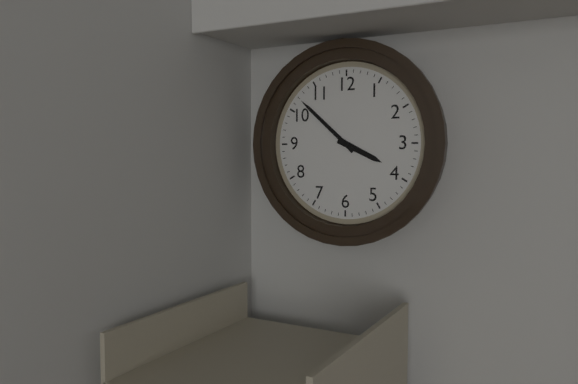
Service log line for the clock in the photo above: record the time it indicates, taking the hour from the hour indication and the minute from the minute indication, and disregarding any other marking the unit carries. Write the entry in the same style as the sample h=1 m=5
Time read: h=3 m=52
